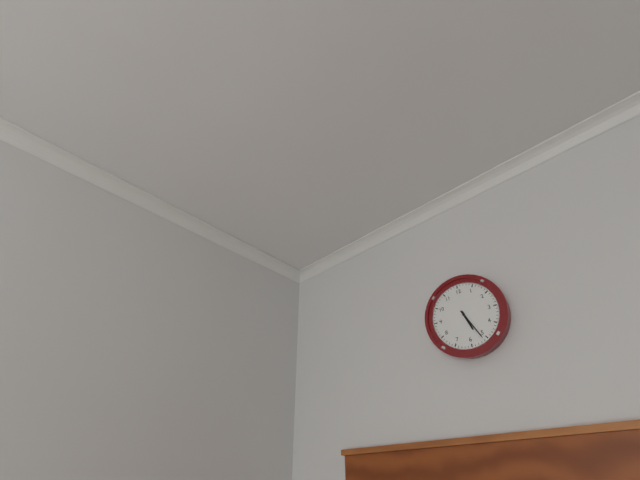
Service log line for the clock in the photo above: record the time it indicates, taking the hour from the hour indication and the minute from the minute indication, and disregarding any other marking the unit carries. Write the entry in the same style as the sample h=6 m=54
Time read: h=5 m=26
